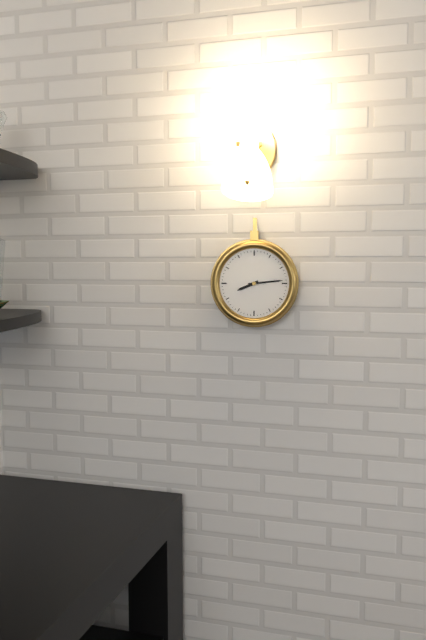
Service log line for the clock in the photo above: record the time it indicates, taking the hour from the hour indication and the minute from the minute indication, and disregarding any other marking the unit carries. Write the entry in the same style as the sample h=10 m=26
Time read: h=8 m=14
